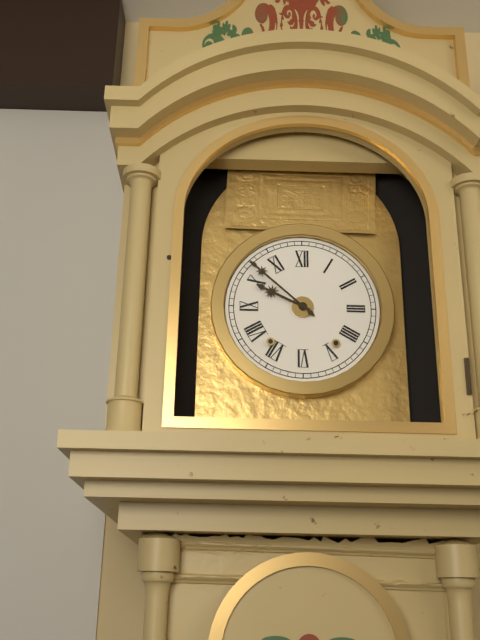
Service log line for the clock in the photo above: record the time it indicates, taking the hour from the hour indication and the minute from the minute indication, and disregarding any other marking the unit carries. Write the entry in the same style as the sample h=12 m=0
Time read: h=9 m=52
